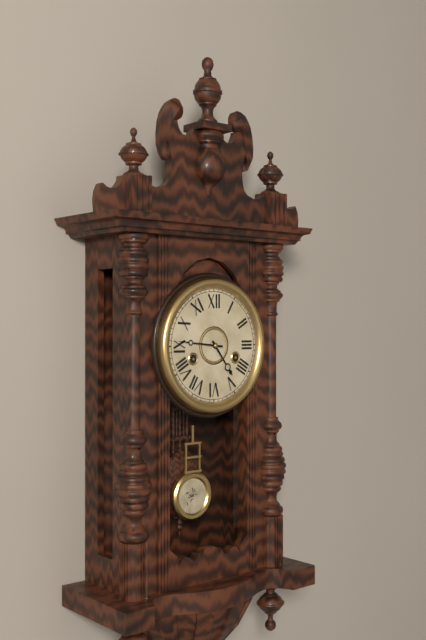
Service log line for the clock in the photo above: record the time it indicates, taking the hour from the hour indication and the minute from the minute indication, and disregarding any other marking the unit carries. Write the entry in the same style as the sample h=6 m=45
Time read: h=4 m=46
